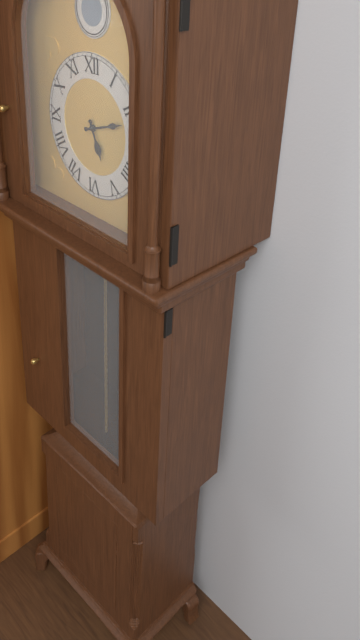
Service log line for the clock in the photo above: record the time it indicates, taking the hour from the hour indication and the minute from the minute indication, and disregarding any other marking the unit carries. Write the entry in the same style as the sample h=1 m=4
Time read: h=5 m=12
